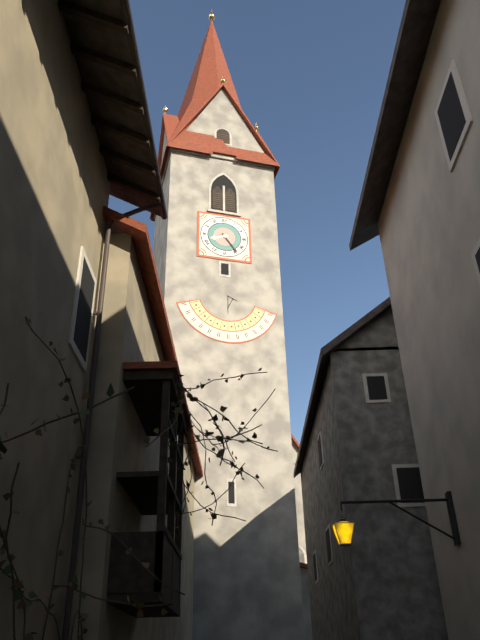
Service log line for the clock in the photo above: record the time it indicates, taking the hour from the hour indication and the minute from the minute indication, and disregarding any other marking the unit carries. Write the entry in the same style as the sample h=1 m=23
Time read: h=8 m=24
